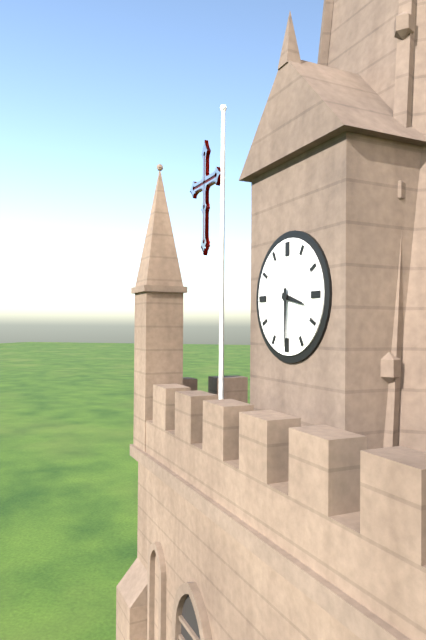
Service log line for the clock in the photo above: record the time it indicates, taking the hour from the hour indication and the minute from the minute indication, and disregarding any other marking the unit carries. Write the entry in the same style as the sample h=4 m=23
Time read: h=3 m=30
